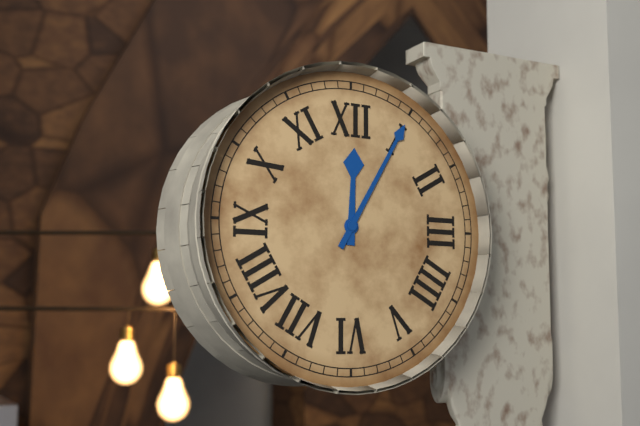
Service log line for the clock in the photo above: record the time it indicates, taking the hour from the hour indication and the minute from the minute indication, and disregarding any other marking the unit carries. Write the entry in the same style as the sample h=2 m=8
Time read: h=12 m=5
